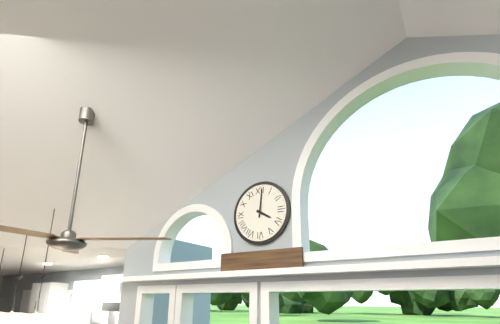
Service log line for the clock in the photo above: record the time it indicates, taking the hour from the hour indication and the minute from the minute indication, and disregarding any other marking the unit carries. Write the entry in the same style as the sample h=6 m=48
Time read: h=4 m=1
